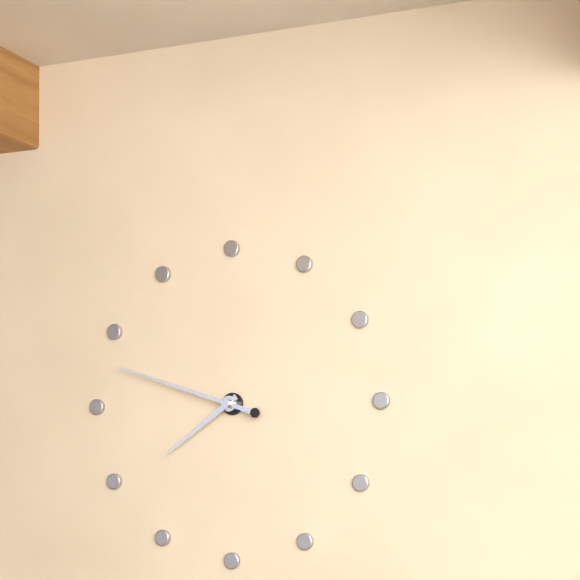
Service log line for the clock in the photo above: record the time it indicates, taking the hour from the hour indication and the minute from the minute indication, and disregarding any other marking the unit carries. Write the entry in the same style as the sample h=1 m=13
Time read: h=7 m=48
